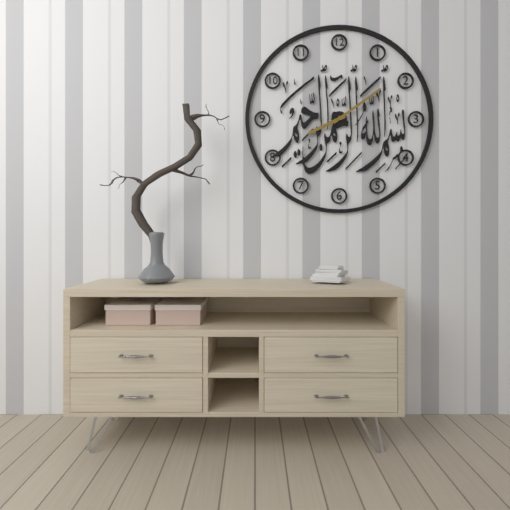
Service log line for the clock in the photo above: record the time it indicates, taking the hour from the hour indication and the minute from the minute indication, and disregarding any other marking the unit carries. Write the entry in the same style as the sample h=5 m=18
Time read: h=8 m=9
